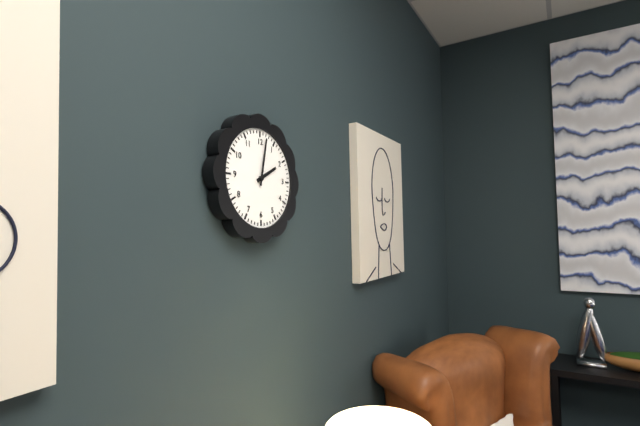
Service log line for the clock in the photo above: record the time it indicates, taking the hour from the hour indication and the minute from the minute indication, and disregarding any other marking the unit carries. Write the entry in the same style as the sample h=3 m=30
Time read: h=2 m=2
